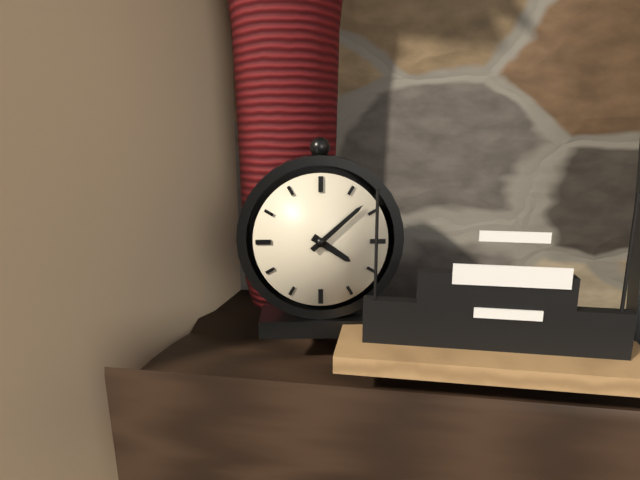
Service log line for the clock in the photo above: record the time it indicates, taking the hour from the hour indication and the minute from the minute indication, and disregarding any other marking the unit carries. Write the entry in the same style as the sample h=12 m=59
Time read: h=4 m=8
